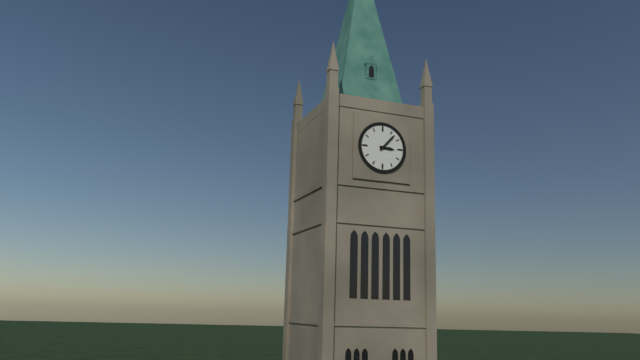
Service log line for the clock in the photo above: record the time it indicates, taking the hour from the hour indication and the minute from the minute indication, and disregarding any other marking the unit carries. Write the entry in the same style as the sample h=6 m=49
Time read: h=3 m=7
